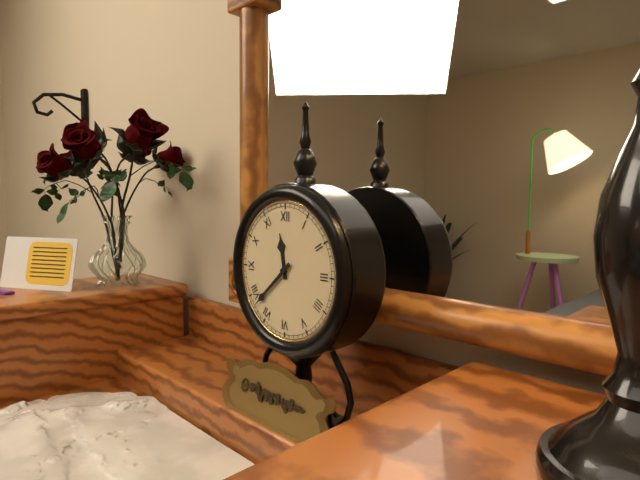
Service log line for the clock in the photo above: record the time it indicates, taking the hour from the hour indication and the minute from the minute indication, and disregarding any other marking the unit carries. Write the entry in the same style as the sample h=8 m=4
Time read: h=11 m=38
